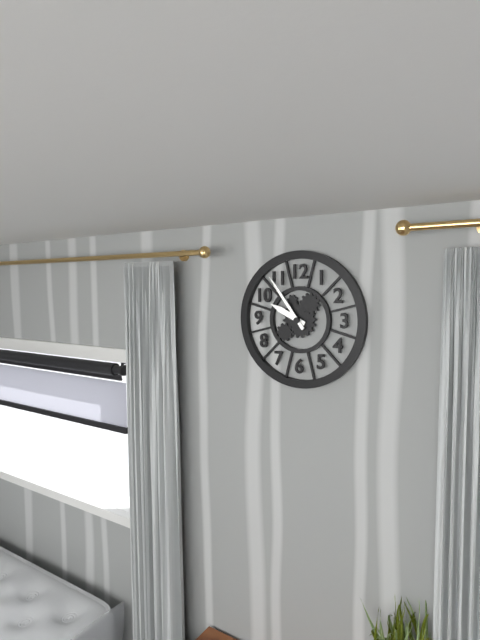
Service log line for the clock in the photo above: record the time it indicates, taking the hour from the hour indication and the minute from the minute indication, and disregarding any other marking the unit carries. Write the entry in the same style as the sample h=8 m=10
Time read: h=9 m=54
